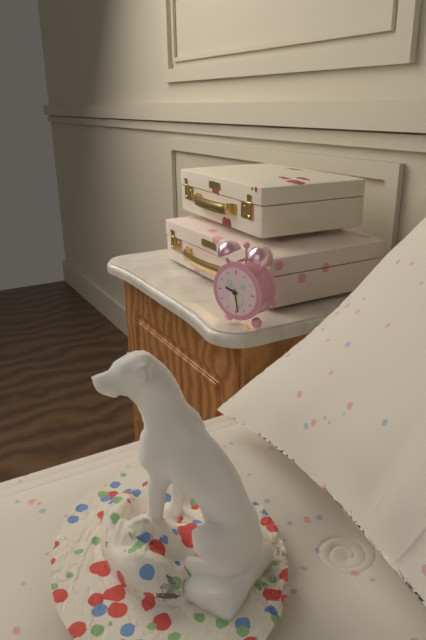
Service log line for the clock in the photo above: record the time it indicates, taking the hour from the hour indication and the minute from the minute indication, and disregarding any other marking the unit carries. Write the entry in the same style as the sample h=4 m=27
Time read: h=9 m=28
